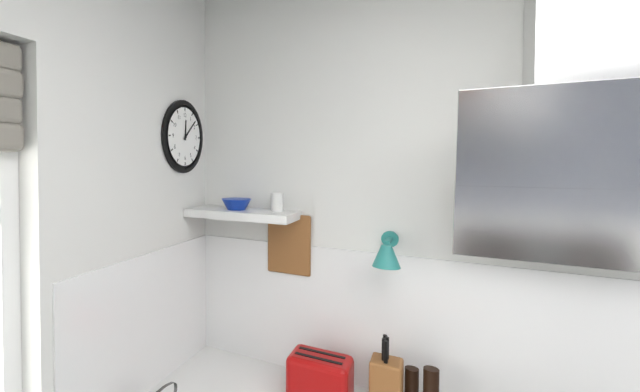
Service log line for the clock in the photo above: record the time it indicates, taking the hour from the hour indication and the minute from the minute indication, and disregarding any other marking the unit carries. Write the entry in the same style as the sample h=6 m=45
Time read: h=12 m=8
